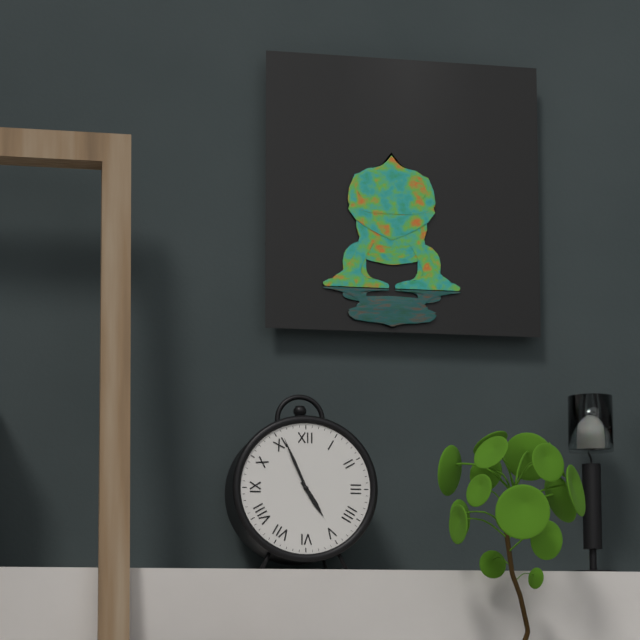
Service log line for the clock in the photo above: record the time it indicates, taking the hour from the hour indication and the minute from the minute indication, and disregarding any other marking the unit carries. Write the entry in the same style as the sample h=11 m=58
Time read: h=4 m=56
